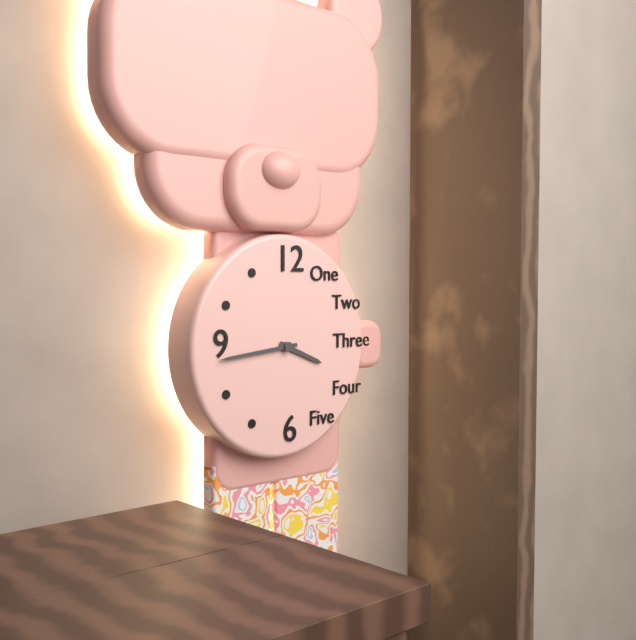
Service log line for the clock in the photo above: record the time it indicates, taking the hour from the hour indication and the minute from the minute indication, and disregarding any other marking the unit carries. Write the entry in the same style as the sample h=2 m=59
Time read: h=3 m=44
